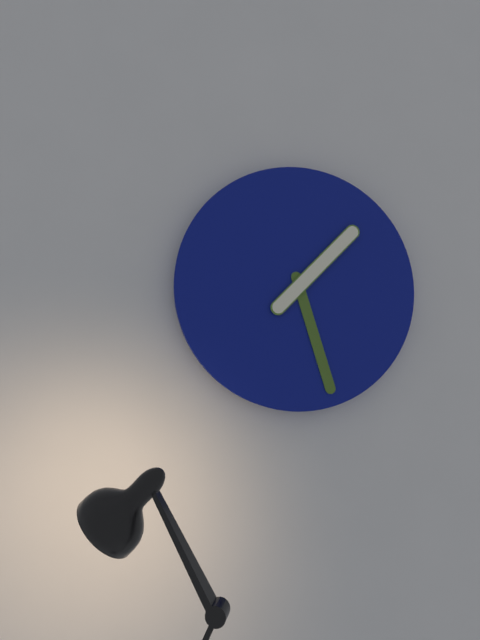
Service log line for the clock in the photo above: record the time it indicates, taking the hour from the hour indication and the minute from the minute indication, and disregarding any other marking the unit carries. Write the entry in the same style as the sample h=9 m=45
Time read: h=1 m=27
